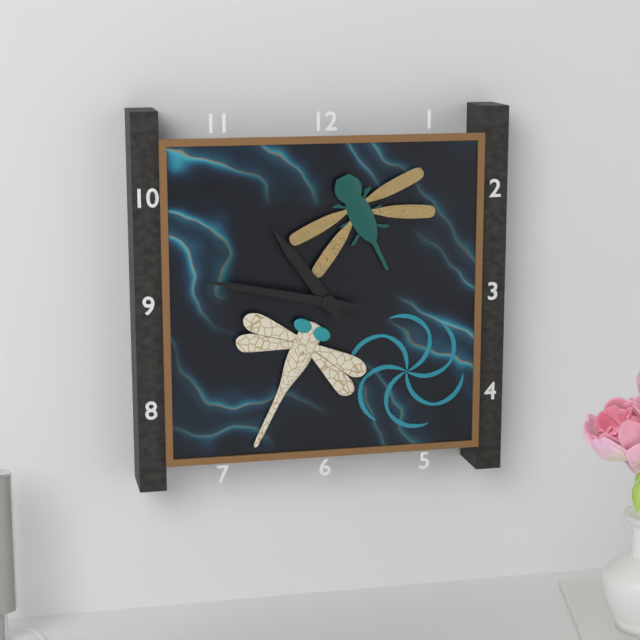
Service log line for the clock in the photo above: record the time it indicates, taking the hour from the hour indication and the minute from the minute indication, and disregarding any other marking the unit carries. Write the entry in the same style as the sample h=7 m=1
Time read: h=10 m=47
